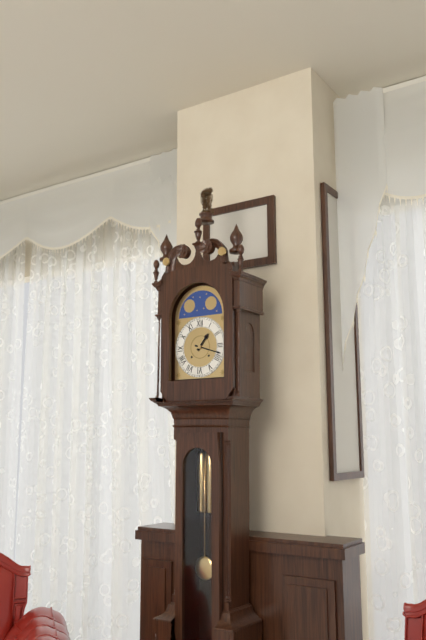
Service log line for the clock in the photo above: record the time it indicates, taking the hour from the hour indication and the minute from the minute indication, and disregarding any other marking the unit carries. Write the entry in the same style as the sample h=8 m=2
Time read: h=1 m=18
